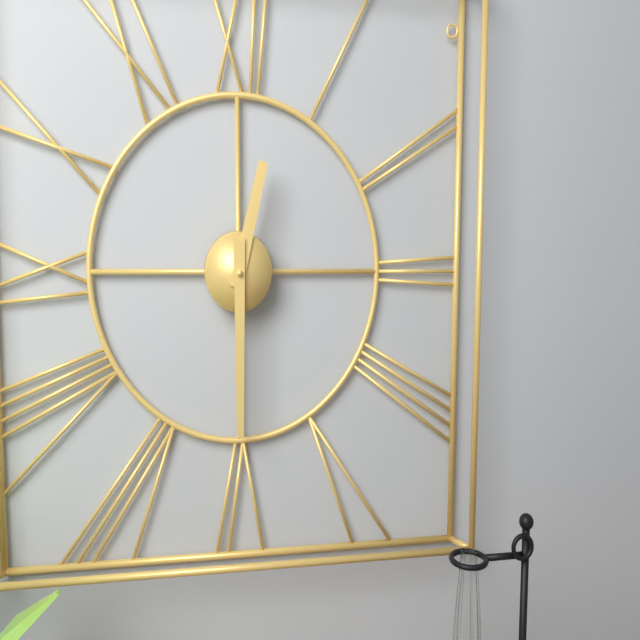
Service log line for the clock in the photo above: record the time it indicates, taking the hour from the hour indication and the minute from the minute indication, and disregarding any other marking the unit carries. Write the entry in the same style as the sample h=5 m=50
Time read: h=12 m=30
